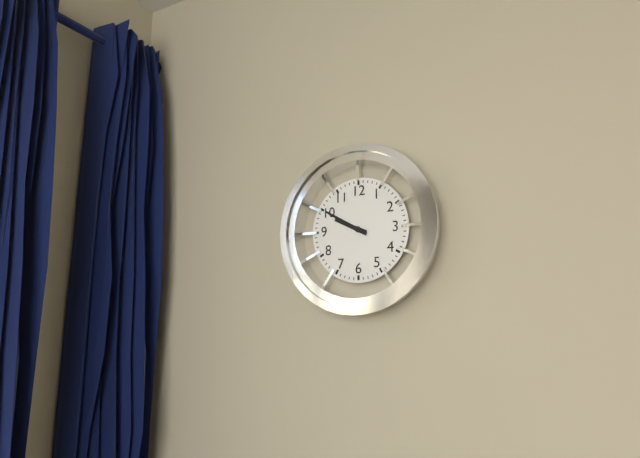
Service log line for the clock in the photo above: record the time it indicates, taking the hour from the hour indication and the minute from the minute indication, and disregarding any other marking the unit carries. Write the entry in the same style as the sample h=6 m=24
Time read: h=9 m=50
